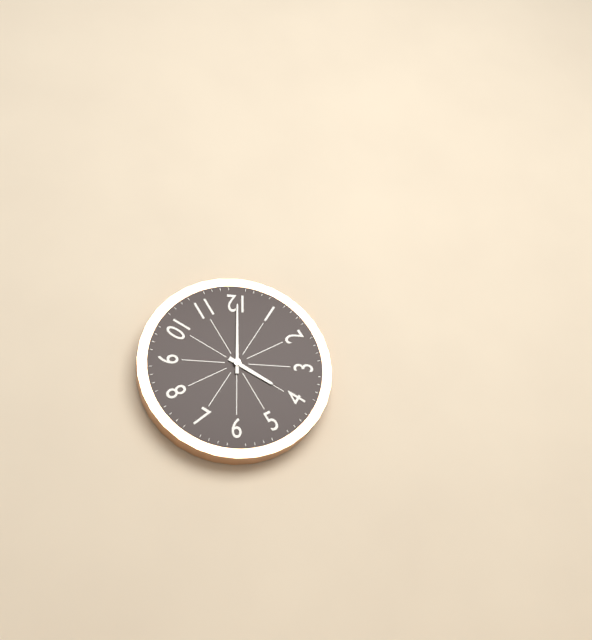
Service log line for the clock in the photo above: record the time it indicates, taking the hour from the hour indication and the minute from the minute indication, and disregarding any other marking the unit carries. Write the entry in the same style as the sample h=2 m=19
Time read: h=4 m=0
